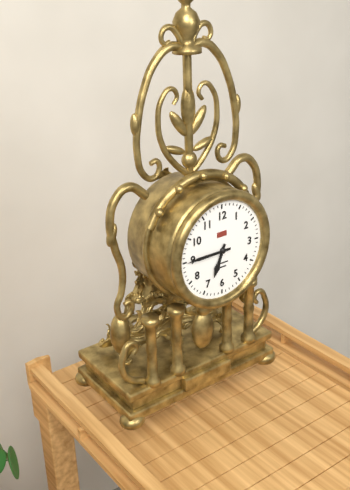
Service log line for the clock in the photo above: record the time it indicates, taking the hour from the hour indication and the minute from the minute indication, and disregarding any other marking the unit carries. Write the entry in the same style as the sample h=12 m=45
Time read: h=6 m=45
